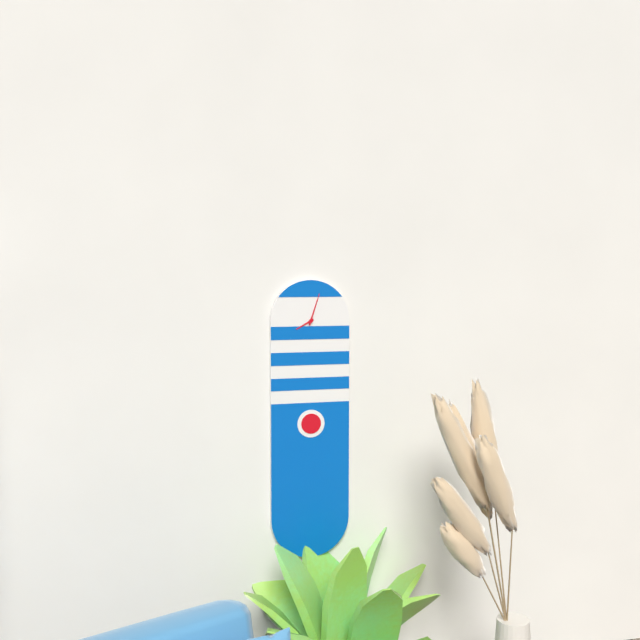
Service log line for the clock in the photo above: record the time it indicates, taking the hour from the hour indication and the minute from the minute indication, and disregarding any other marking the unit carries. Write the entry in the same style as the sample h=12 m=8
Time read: h=8 m=3
